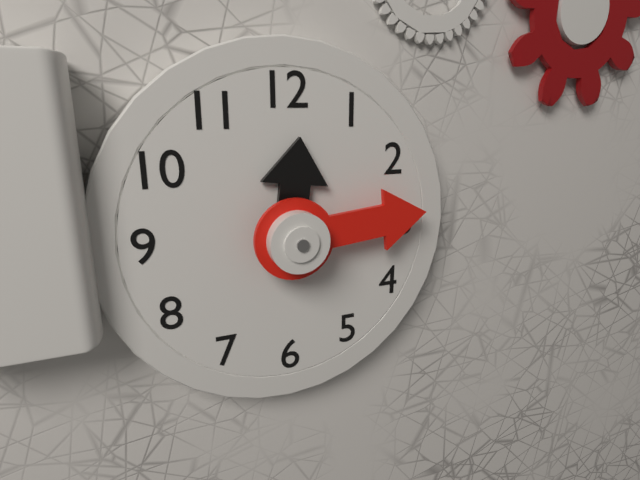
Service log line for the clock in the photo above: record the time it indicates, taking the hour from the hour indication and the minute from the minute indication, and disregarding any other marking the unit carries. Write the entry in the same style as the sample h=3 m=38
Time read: h=12 m=14
